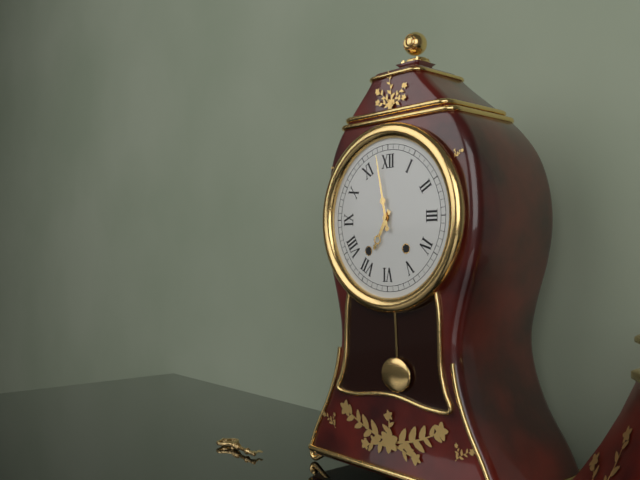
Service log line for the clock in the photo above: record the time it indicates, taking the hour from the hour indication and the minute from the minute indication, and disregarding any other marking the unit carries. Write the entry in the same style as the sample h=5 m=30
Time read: h=6 m=58
